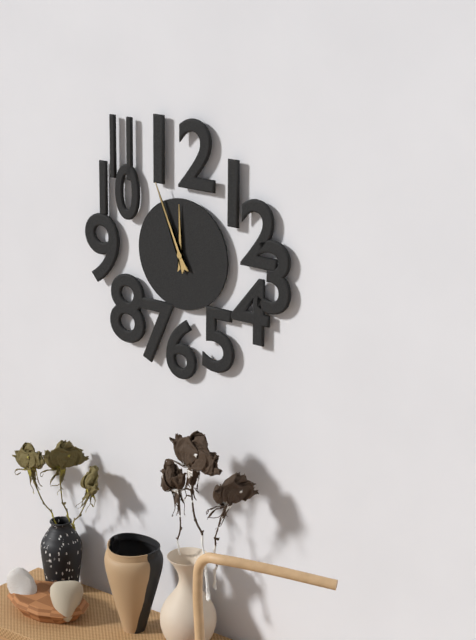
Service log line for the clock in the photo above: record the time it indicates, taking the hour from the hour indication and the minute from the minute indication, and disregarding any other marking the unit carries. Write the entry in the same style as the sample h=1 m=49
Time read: h=11 m=56
